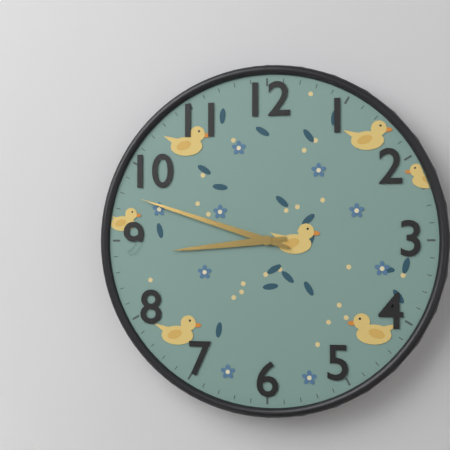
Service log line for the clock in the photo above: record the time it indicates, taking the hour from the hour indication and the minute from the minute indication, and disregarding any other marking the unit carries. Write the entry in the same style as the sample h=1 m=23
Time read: h=8 m=48
